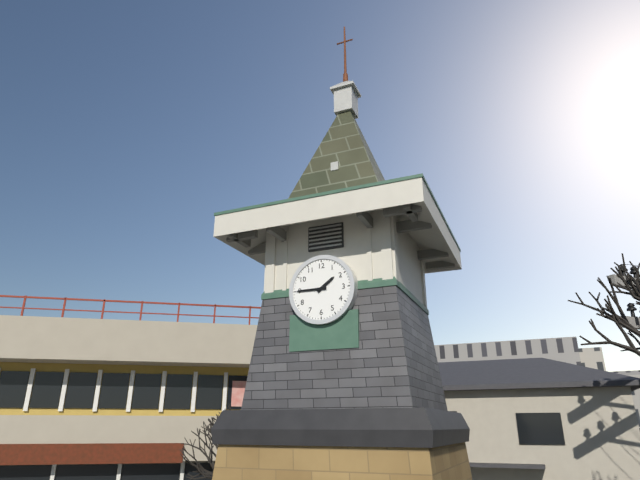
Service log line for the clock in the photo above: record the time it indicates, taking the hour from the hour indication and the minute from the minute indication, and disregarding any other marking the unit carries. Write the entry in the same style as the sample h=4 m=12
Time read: h=1 m=45
